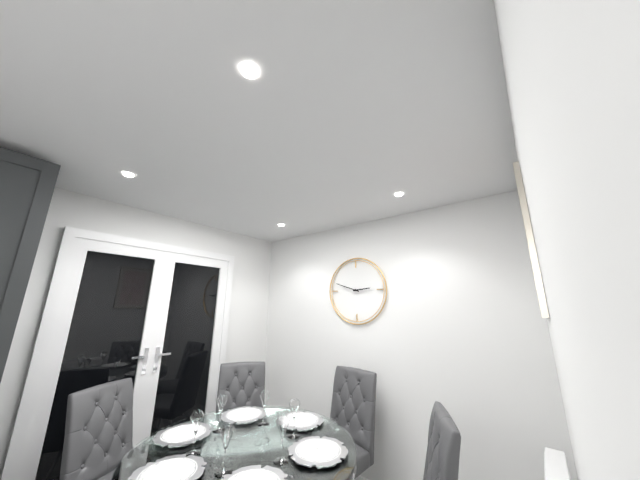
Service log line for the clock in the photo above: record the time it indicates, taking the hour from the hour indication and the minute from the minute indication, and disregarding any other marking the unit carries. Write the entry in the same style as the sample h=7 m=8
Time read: h=2 m=48
